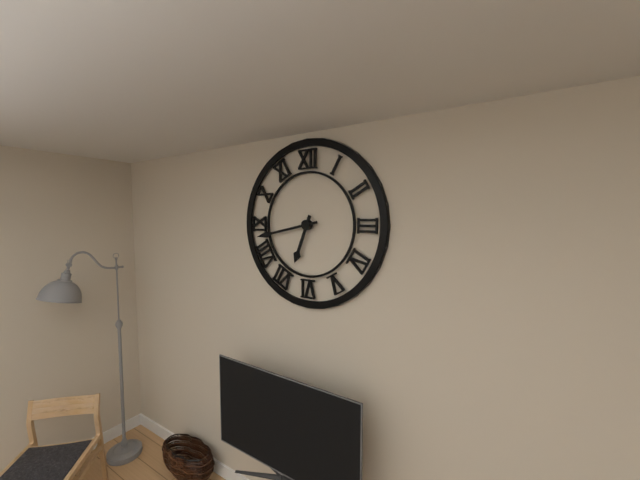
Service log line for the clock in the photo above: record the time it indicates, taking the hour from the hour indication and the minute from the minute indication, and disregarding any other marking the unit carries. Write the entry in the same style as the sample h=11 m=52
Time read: h=6 m=43
